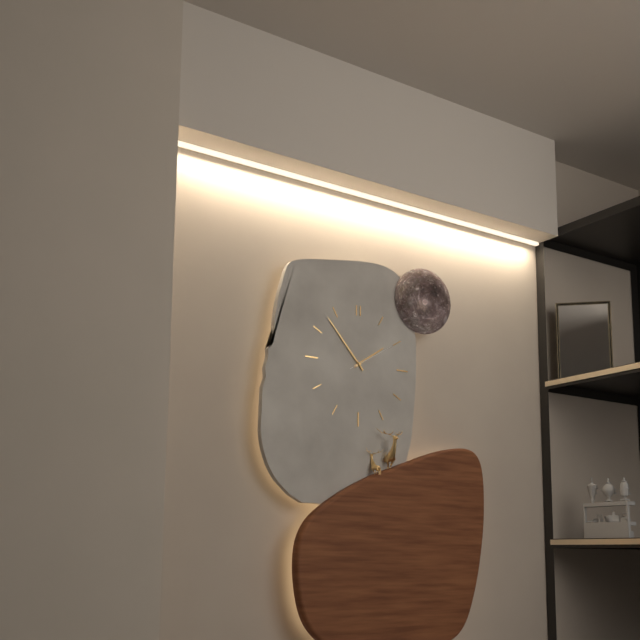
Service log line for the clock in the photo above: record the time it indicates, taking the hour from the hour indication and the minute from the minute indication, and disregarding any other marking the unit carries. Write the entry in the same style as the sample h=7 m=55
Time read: h=1 m=53
